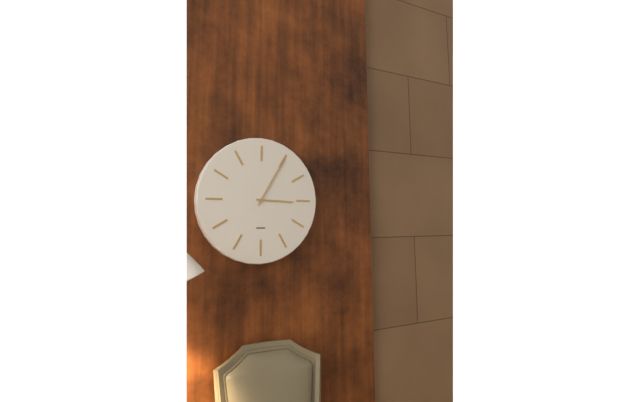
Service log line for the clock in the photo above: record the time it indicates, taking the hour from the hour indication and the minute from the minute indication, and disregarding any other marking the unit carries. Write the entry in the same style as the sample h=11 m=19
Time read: h=3 m=5
